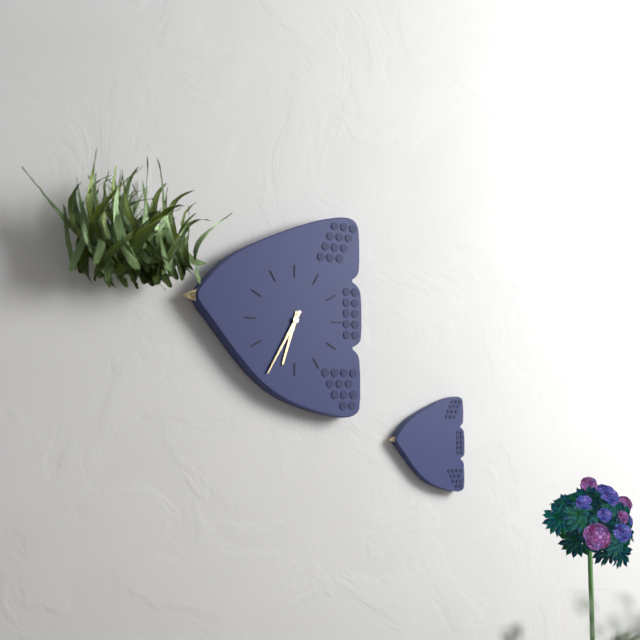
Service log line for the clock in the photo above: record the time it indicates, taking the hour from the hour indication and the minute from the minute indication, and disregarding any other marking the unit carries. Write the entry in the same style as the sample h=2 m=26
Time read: h=6 m=35
